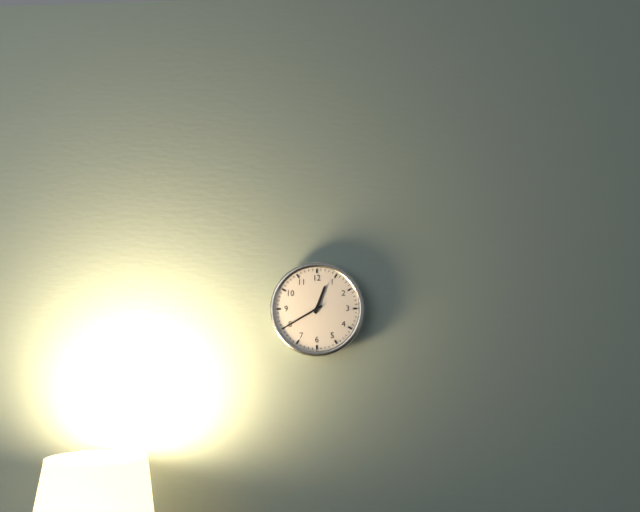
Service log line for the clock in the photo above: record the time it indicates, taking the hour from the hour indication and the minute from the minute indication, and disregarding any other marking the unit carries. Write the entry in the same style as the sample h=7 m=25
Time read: h=12 m=40
